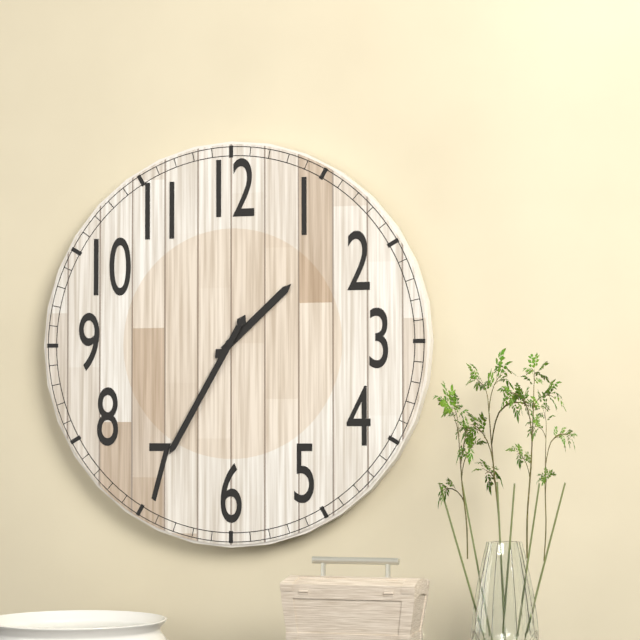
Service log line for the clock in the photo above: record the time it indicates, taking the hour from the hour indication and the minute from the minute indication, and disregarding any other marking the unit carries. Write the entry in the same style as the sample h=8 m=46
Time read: h=1 m=35
